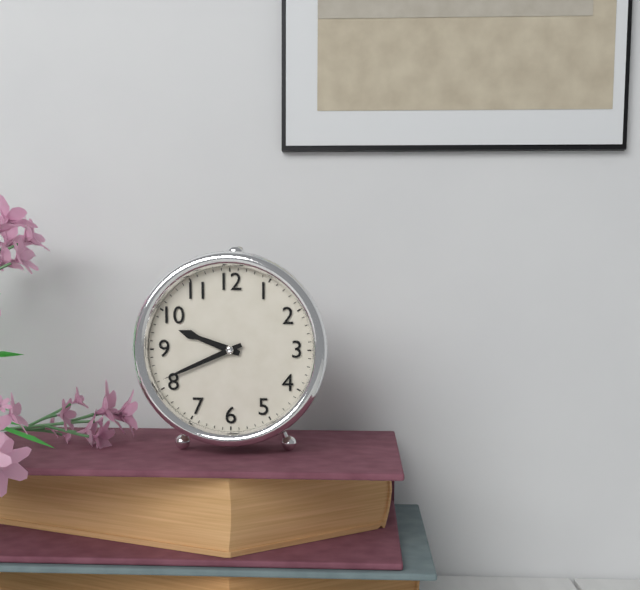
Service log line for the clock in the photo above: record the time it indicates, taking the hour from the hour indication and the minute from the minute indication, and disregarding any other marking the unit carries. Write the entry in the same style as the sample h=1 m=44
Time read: h=9 m=41
